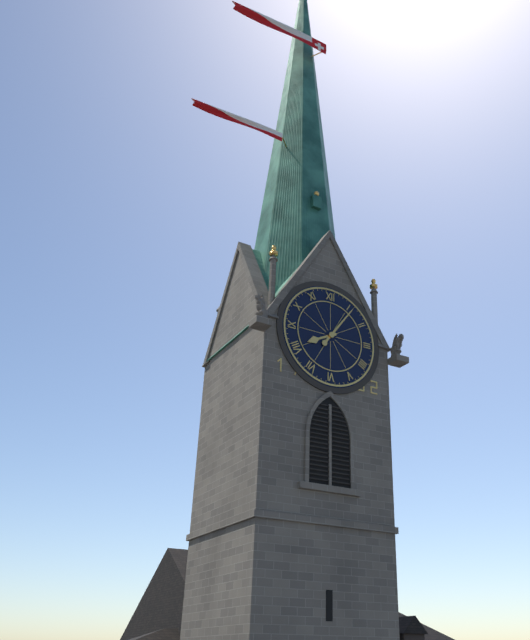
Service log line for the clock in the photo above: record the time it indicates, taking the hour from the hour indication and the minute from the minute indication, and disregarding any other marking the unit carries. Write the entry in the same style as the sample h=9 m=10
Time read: h=8 m=6
